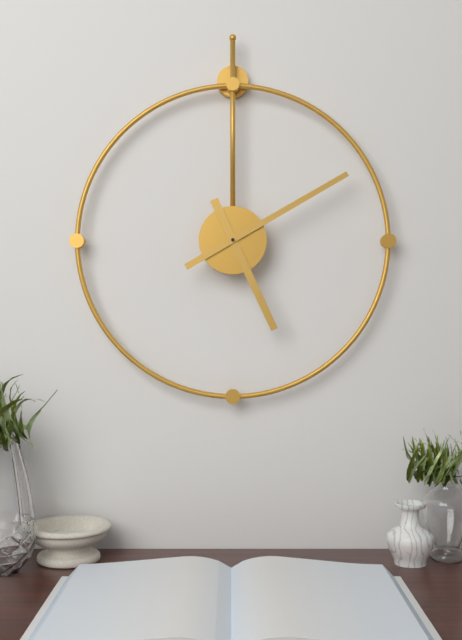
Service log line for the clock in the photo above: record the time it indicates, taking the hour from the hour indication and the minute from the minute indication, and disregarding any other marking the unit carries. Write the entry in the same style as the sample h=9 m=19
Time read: h=5 m=10
